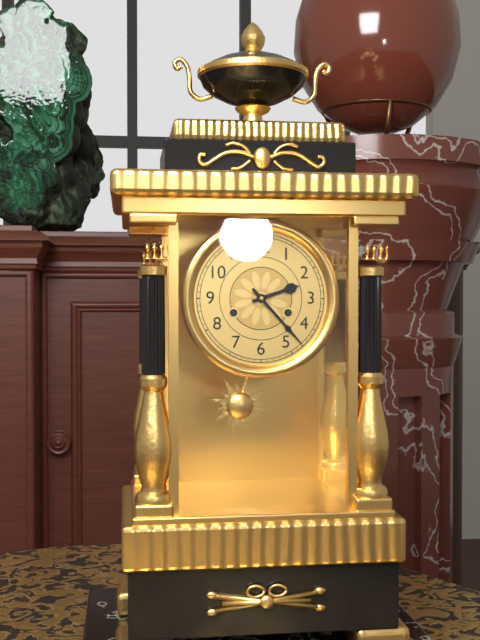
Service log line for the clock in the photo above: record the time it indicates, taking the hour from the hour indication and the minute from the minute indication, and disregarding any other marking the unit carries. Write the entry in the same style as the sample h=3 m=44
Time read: h=2 m=23
